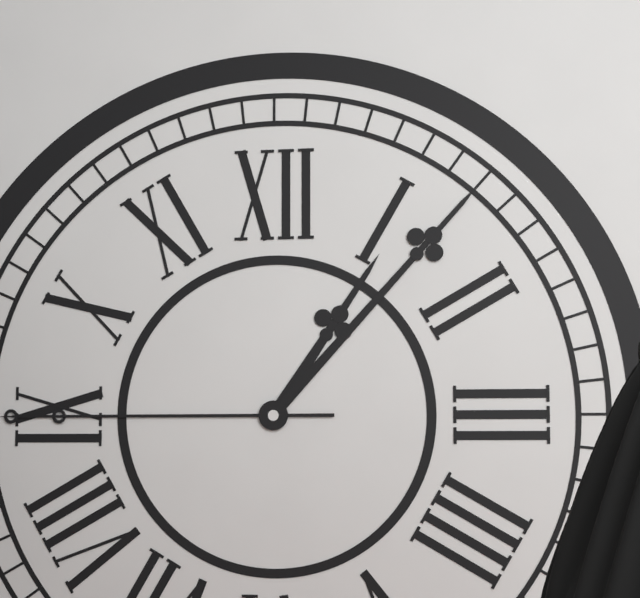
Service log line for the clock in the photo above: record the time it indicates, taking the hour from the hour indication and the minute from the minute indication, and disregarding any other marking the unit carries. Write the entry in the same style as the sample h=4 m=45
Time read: h=1 m=7
